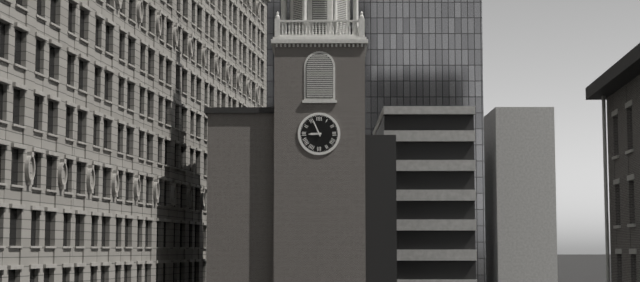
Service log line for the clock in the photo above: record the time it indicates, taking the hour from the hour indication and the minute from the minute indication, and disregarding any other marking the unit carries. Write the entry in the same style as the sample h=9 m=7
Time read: h=8 m=56
